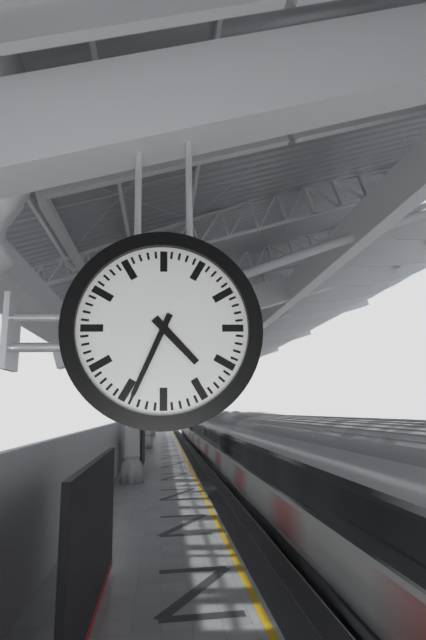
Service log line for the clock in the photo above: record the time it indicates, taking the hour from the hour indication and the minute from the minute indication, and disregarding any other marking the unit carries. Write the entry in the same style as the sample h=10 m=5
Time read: h=4 m=34
